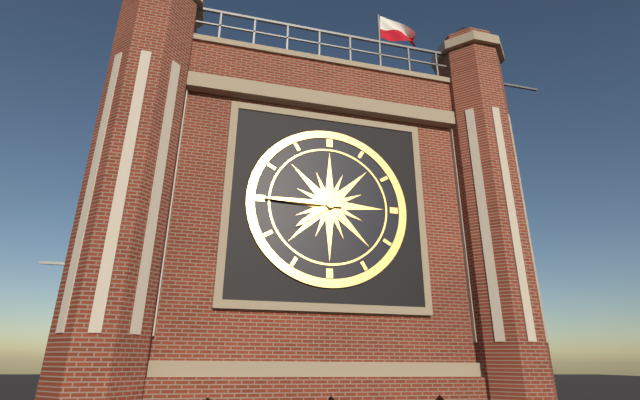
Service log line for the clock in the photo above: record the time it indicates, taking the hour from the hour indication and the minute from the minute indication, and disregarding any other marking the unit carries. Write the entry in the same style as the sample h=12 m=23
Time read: h=7 m=45
